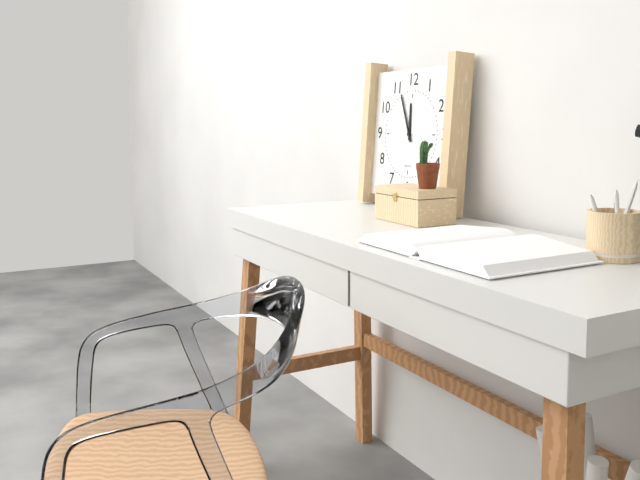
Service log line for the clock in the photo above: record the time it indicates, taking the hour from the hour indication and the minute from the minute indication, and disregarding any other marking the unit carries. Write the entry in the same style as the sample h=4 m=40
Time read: h=11 m=56
